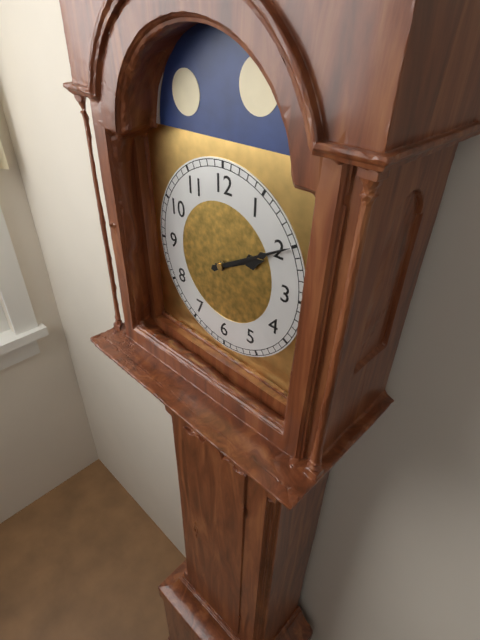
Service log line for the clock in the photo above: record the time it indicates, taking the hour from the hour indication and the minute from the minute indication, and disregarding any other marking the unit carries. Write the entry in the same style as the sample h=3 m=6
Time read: h=2 m=10
